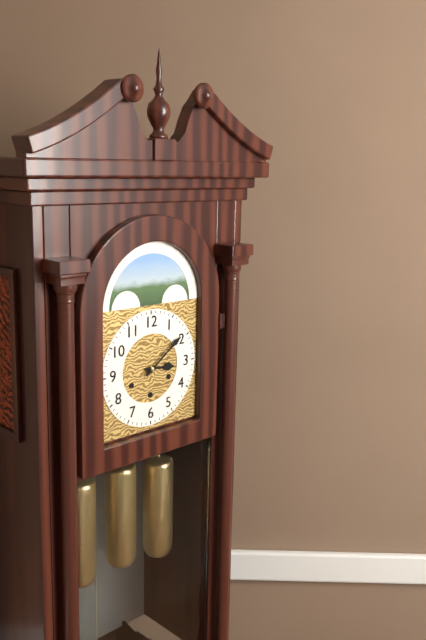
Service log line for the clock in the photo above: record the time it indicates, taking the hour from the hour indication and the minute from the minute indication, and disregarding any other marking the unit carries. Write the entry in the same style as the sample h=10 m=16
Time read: h=3 m=9
